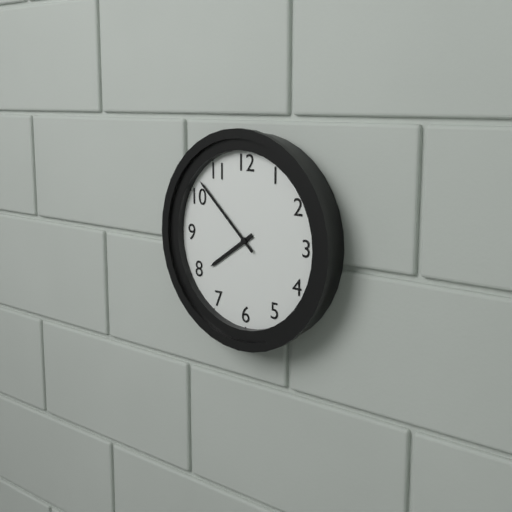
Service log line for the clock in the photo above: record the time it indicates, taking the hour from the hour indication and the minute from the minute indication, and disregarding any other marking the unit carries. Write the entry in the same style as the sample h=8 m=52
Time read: h=7 m=52
